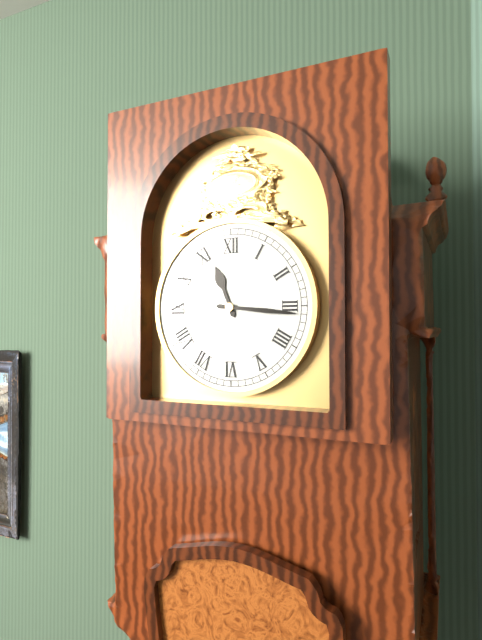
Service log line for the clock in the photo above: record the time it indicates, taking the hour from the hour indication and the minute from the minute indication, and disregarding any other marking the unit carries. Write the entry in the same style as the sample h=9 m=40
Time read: h=11 m=16
